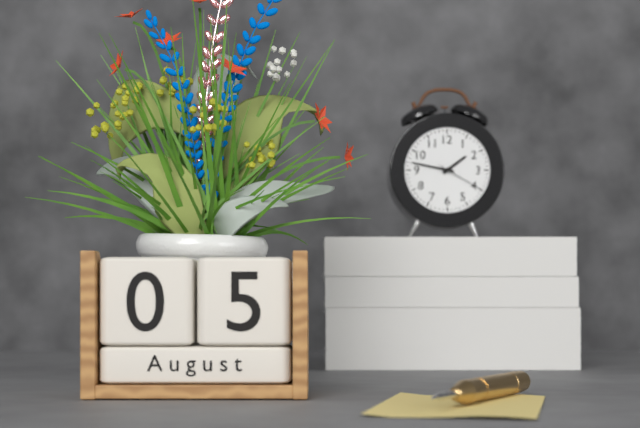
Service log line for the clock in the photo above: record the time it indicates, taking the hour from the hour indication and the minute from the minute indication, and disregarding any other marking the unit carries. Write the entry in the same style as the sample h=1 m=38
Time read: h=1 m=47
